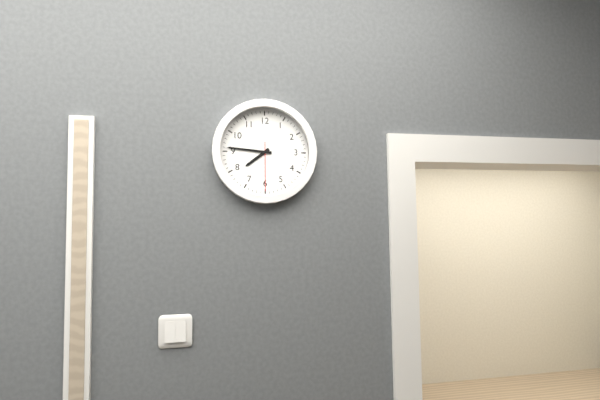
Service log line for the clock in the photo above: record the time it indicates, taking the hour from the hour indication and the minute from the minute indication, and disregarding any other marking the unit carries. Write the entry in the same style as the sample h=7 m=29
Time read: h=7 m=46
